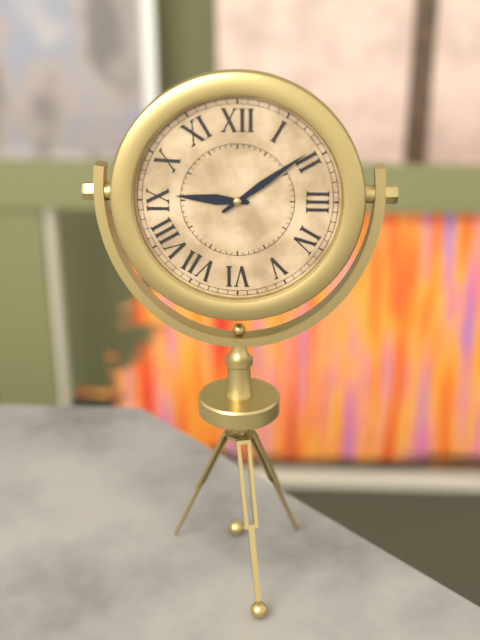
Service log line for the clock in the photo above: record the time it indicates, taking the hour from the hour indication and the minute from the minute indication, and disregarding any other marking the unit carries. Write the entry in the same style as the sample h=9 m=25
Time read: h=9 m=9
